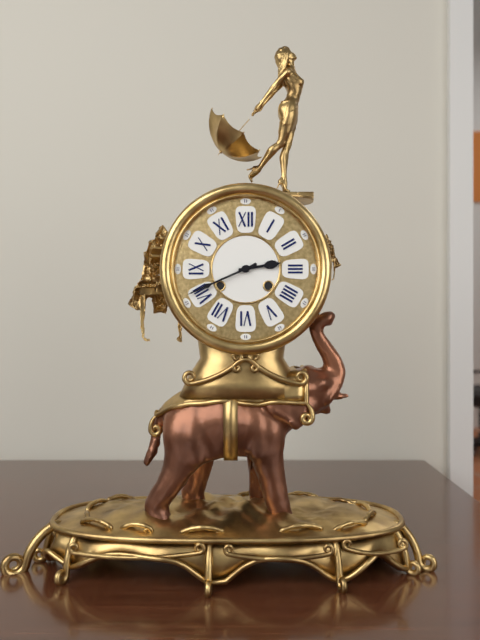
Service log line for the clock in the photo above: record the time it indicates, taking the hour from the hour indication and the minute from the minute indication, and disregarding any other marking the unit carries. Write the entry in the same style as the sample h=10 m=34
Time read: h=2 m=41
